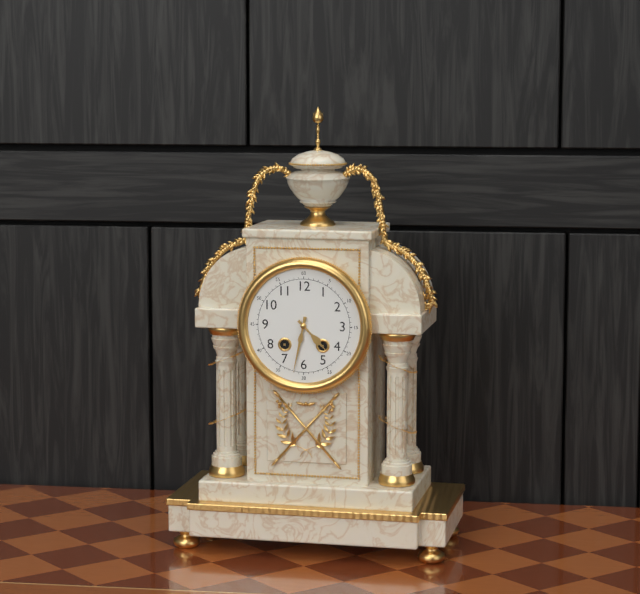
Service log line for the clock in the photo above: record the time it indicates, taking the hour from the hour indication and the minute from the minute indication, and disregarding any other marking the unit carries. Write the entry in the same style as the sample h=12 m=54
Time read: h=4 m=32
